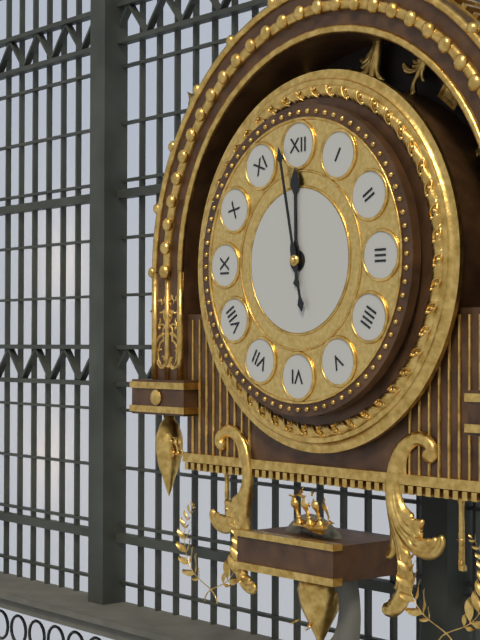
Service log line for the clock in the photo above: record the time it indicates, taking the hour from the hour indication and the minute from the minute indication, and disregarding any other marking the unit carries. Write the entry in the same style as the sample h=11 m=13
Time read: h=11 m=58
